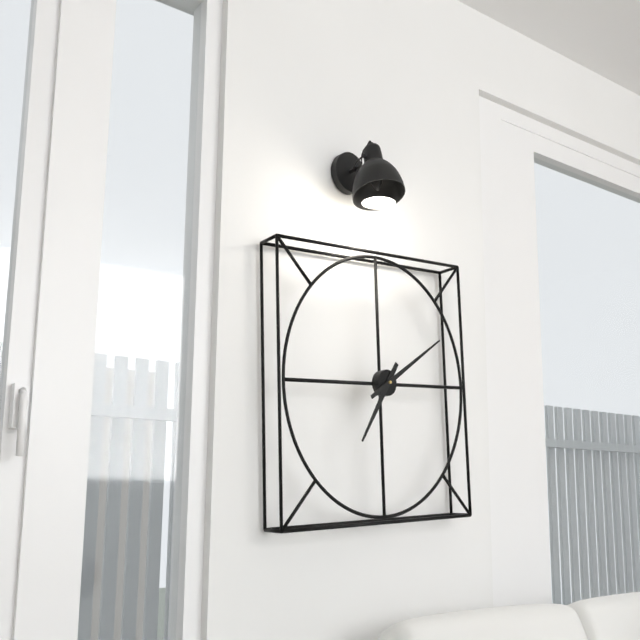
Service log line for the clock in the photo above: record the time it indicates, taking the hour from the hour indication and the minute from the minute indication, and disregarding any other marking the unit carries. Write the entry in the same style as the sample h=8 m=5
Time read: h=7 m=10
